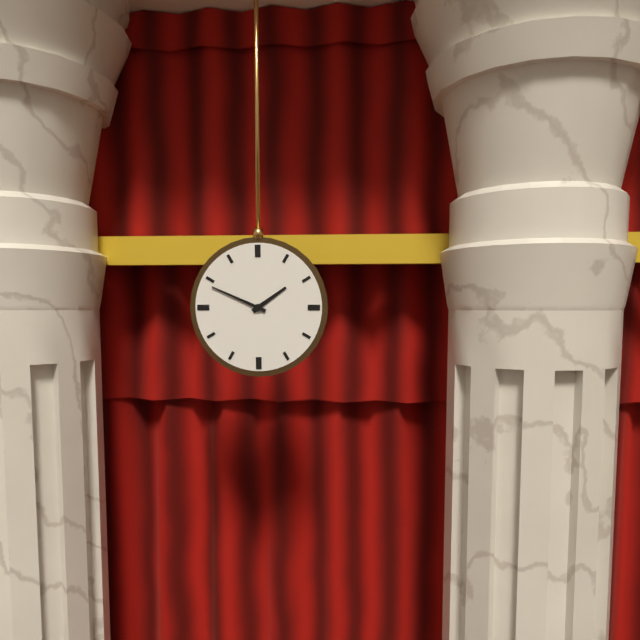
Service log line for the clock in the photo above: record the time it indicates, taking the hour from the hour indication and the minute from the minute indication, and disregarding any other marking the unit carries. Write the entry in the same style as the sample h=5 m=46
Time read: h=1 m=49
